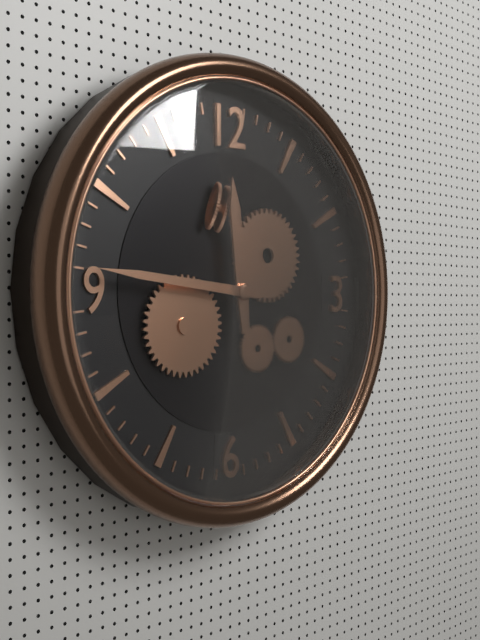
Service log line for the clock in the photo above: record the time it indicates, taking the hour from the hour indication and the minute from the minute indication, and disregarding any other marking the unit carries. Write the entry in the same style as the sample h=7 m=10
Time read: h=11 m=46
